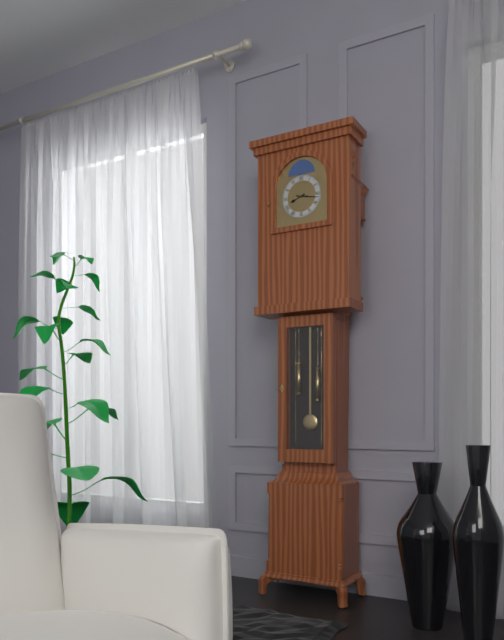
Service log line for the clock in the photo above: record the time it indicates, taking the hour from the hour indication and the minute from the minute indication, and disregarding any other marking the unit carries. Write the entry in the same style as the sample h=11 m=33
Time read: h=8 m=17
